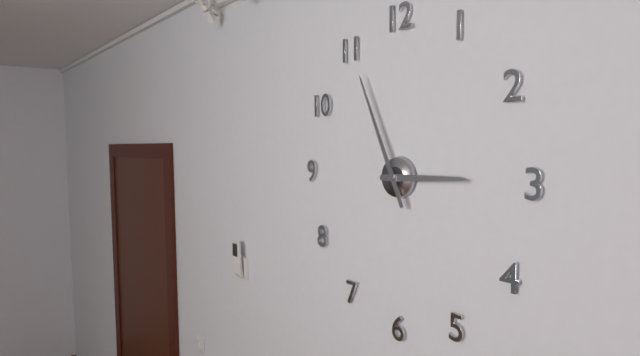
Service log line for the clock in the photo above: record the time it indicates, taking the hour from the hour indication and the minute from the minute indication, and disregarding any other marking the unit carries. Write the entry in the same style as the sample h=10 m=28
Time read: h=2 m=56
